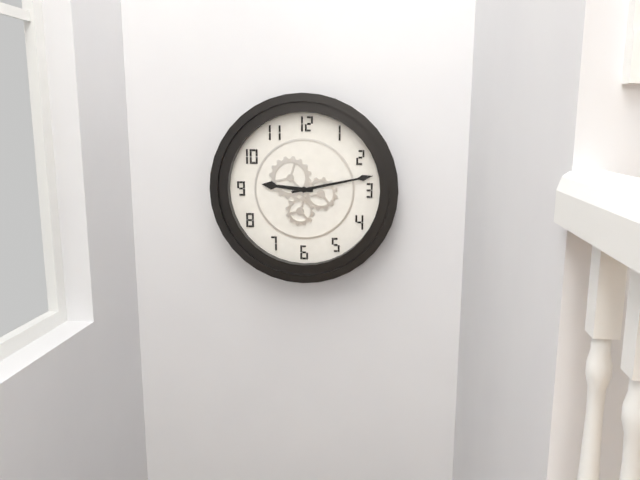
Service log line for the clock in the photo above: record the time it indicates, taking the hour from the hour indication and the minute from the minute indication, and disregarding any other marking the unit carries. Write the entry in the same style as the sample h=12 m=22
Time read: h=9 m=13
